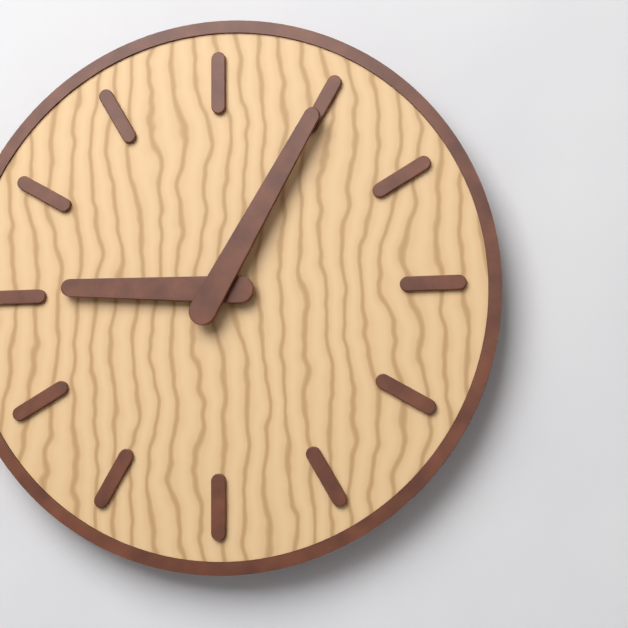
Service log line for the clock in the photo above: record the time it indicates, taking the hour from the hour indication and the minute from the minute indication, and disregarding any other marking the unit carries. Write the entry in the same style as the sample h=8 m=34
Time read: h=9 m=5
